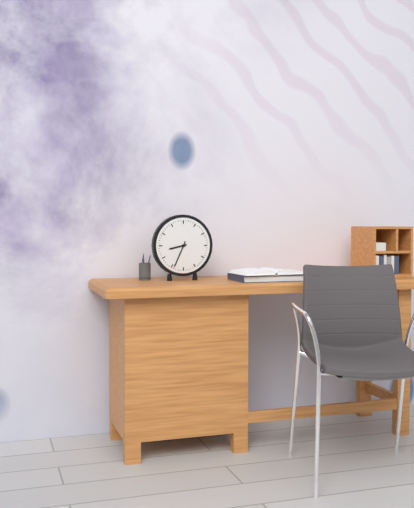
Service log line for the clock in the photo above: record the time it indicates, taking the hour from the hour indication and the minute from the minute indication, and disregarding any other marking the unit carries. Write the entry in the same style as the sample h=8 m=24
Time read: h=8 m=34
